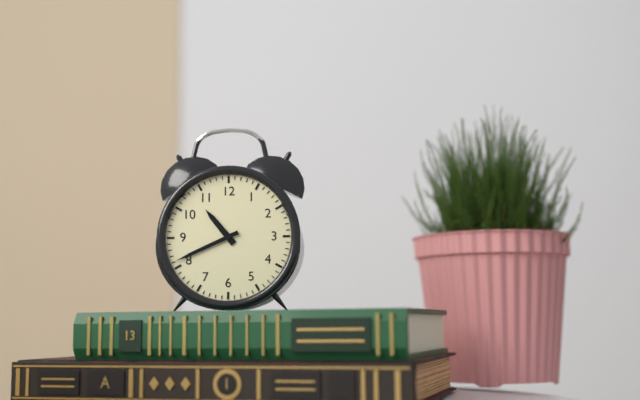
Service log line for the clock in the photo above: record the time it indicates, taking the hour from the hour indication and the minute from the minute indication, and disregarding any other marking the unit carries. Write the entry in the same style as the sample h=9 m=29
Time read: h=10 m=41
